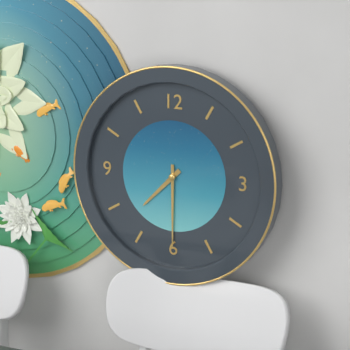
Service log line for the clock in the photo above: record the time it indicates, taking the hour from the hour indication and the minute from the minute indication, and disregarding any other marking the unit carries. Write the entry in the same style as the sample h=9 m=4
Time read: h=7 m=30
